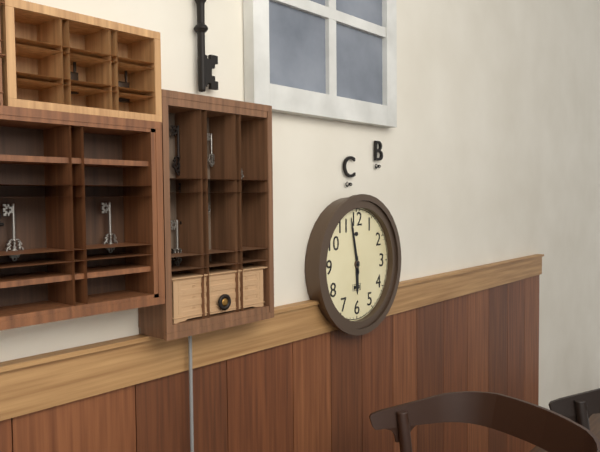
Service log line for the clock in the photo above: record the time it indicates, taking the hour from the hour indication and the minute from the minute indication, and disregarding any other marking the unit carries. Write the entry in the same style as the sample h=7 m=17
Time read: h=5 m=58
